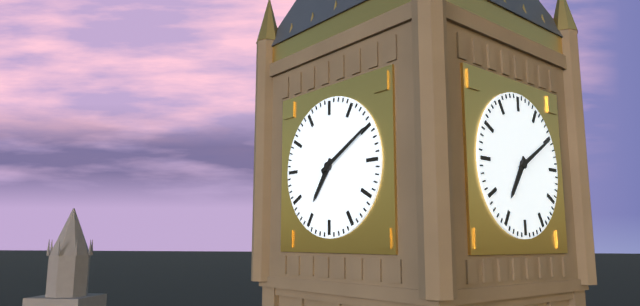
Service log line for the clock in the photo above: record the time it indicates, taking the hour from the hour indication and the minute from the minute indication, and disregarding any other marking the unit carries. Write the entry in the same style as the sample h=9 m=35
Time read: h=7 m=10
